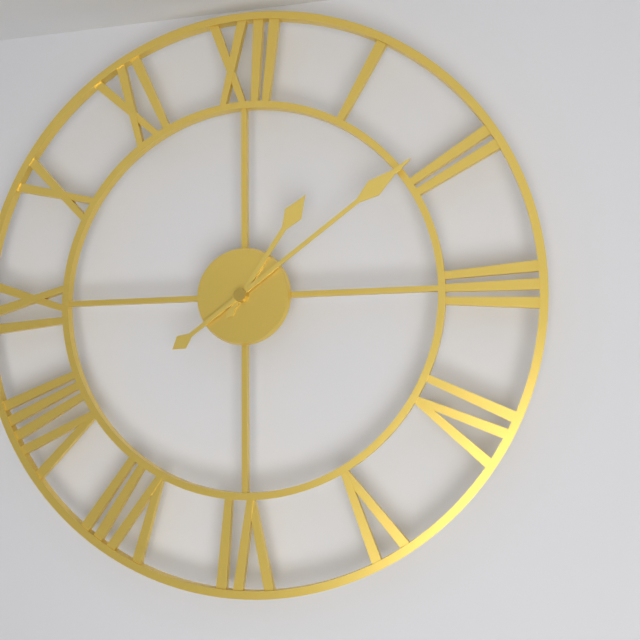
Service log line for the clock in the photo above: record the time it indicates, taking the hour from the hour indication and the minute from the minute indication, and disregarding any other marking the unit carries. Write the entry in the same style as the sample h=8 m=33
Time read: h=1 m=9
